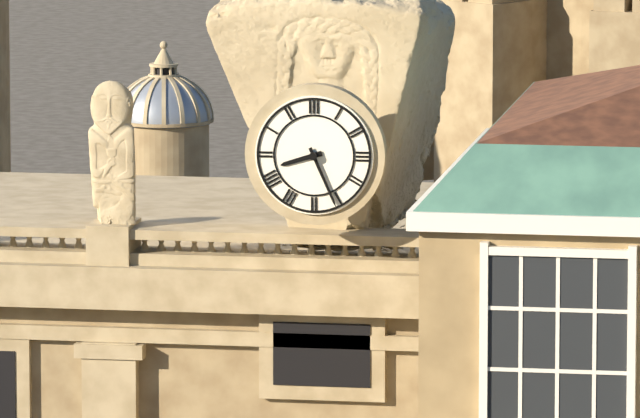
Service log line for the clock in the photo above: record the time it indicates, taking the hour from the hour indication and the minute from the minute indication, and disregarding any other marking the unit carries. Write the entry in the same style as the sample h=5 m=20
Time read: h=8 m=26
